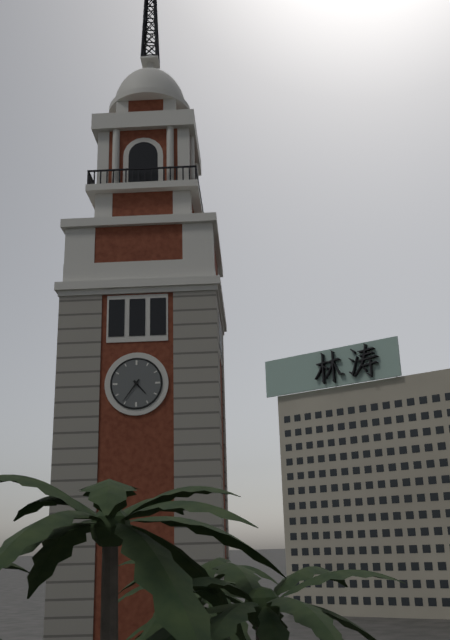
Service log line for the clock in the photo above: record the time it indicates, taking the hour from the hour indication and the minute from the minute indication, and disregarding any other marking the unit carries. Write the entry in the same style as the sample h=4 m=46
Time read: h=4 m=36
